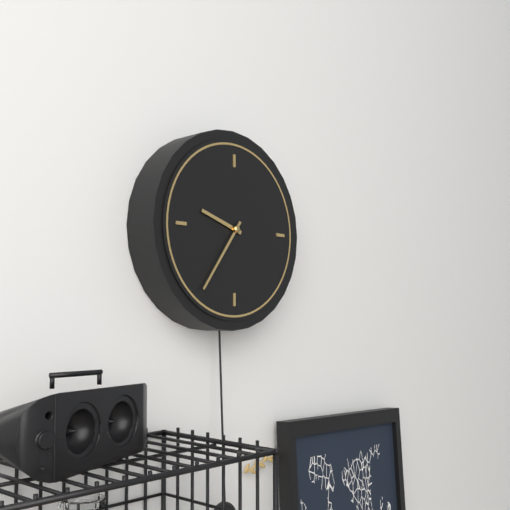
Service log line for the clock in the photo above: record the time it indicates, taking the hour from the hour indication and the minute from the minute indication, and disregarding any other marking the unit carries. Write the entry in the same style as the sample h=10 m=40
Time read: h=9 m=36
